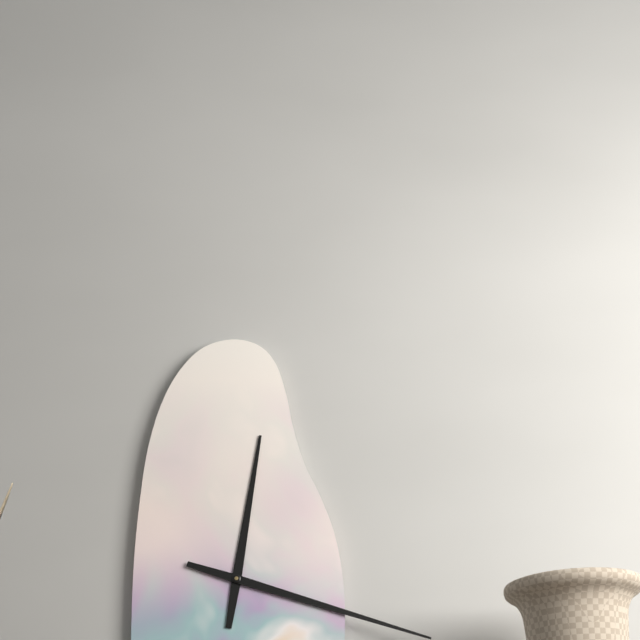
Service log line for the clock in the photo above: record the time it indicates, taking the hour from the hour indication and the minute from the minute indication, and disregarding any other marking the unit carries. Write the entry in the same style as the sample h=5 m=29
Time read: h=12 m=18
